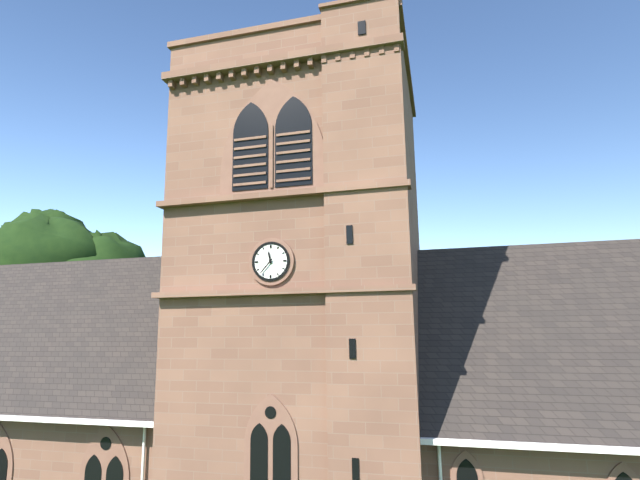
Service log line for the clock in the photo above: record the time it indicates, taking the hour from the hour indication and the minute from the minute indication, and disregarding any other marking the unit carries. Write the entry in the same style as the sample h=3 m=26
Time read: h=11 m=37
